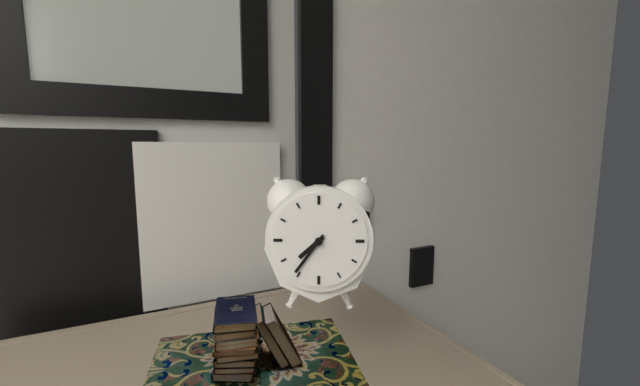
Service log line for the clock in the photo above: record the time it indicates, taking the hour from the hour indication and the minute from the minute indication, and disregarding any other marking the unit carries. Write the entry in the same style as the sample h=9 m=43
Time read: h=7 m=36
